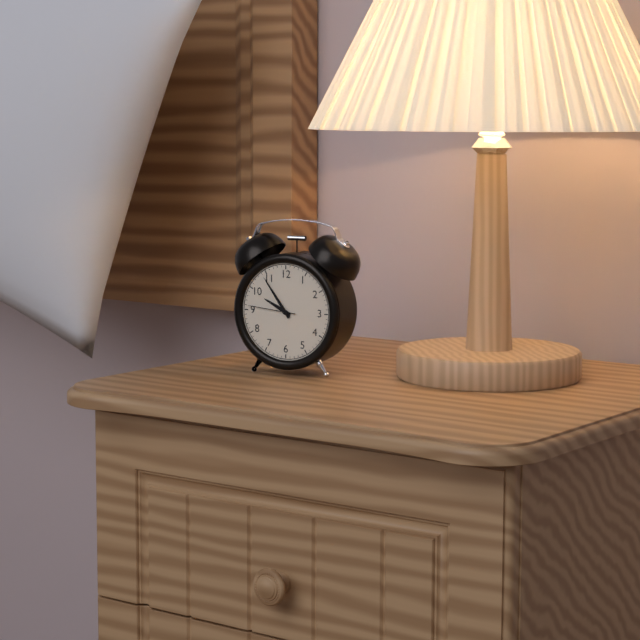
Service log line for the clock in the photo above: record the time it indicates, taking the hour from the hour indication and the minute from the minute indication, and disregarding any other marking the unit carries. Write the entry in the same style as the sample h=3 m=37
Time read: h=9 m=54
